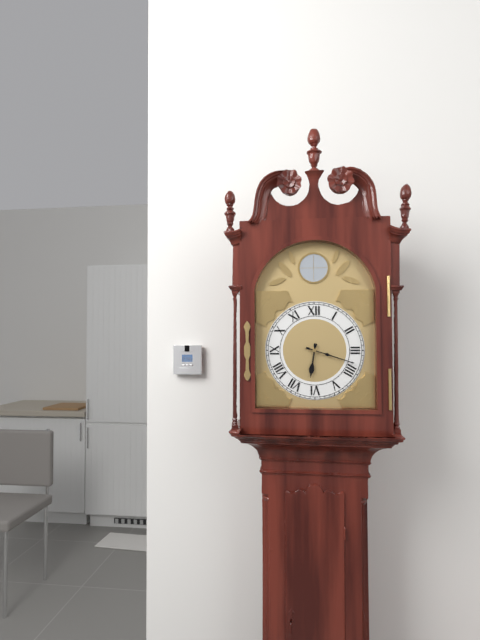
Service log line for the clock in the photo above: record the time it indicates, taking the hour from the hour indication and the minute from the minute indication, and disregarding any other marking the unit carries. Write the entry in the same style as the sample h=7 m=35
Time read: h=6 m=18
